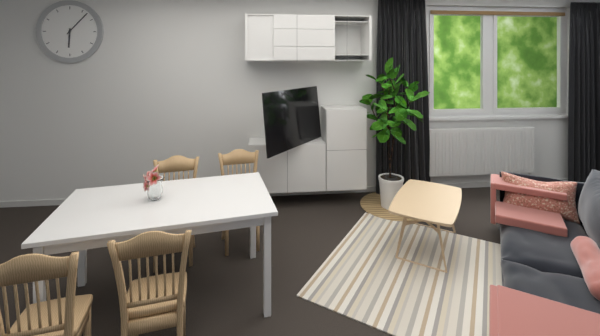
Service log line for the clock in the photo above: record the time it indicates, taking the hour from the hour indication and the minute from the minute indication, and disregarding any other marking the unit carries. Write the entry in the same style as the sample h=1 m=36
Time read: h=6 m=7
